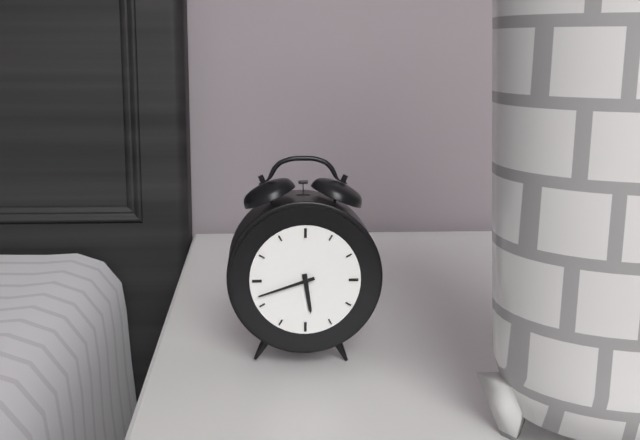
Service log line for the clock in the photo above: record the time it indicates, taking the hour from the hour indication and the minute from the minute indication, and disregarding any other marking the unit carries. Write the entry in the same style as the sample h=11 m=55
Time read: h=5 m=42
